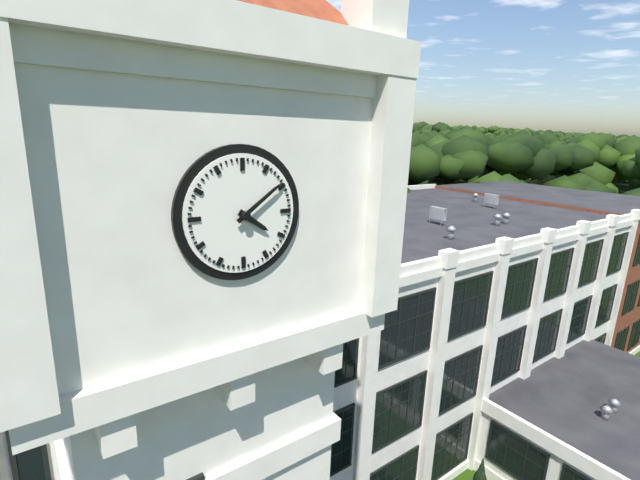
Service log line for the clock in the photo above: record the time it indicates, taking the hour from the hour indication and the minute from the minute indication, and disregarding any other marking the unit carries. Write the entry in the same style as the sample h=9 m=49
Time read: h=4 m=9
